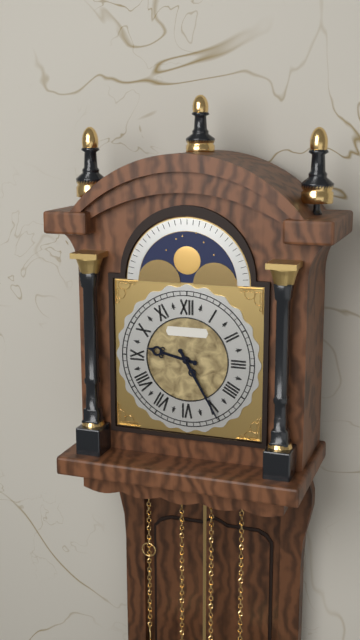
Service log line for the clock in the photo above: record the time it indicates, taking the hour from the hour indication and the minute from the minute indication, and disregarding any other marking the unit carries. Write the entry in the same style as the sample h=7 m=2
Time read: h=9 m=25
